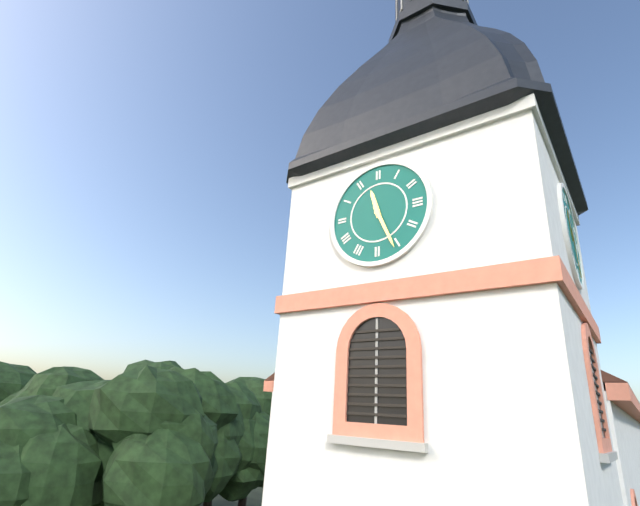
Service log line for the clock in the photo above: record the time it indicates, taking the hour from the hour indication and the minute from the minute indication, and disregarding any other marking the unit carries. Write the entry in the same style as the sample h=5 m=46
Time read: h=11 m=26
